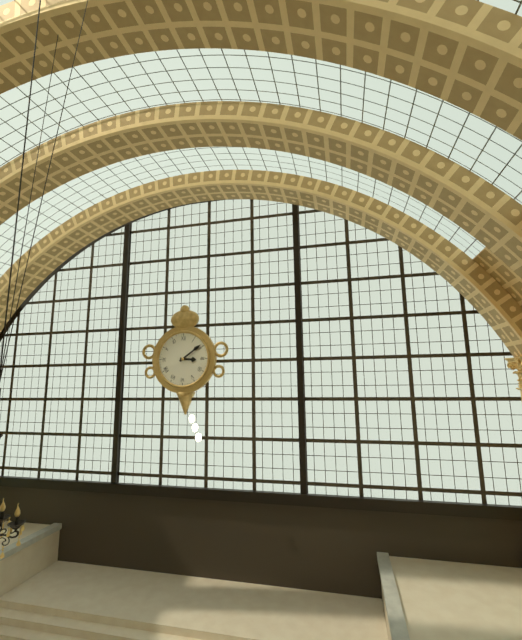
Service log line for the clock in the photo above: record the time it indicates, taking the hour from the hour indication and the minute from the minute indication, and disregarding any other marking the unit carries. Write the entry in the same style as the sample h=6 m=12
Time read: h=3 m=9
